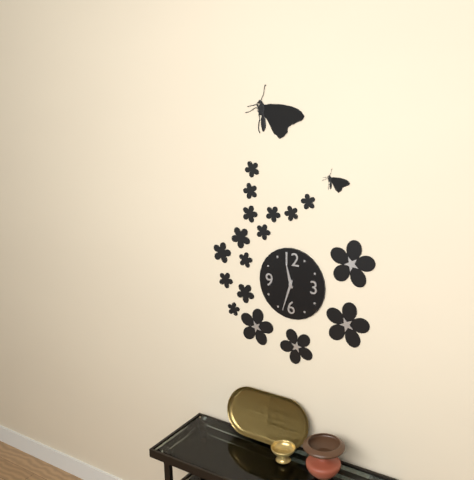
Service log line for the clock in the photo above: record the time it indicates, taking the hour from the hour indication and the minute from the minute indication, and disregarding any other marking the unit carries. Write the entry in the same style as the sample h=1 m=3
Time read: h=11 m=33
